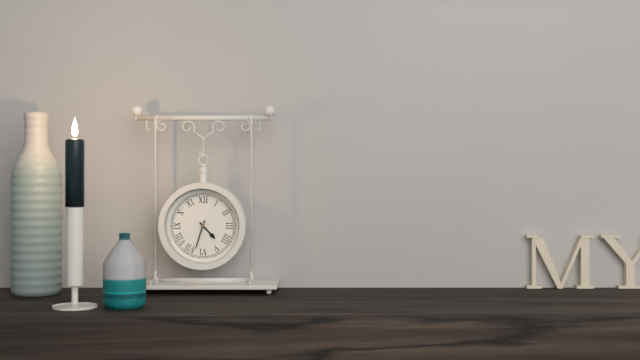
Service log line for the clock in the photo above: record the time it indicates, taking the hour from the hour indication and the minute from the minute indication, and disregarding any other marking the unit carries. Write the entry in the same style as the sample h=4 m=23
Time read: h=4 m=33
